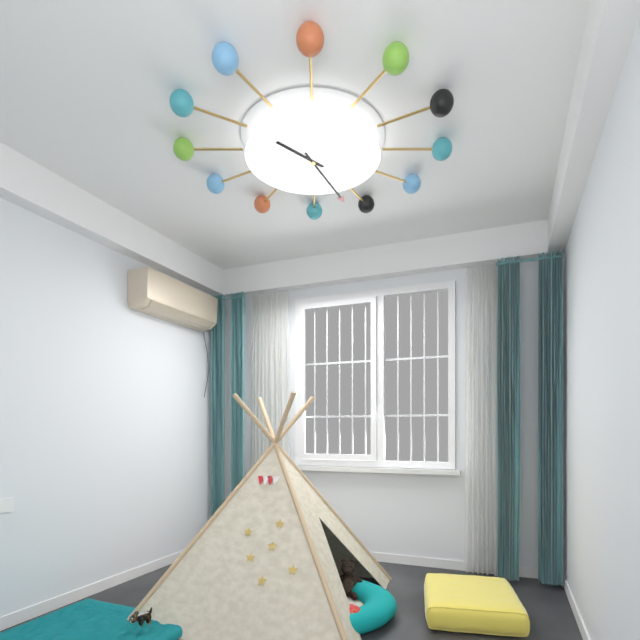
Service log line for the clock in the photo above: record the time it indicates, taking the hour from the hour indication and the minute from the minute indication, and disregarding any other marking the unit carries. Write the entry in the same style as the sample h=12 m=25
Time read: h=10 m=26
